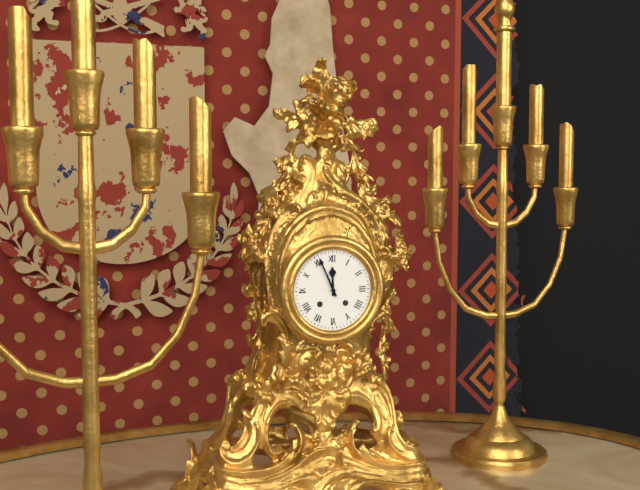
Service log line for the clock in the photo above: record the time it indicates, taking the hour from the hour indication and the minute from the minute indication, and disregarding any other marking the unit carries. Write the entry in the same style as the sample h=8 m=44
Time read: h=11 m=56
